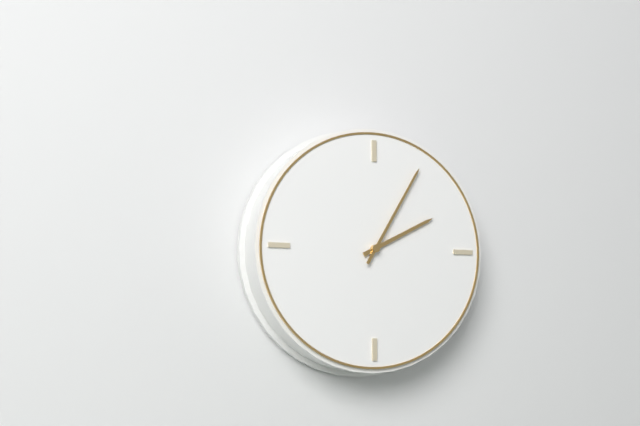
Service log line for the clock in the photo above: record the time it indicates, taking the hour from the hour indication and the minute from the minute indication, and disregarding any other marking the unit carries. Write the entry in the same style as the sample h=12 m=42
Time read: h=2 m=5
